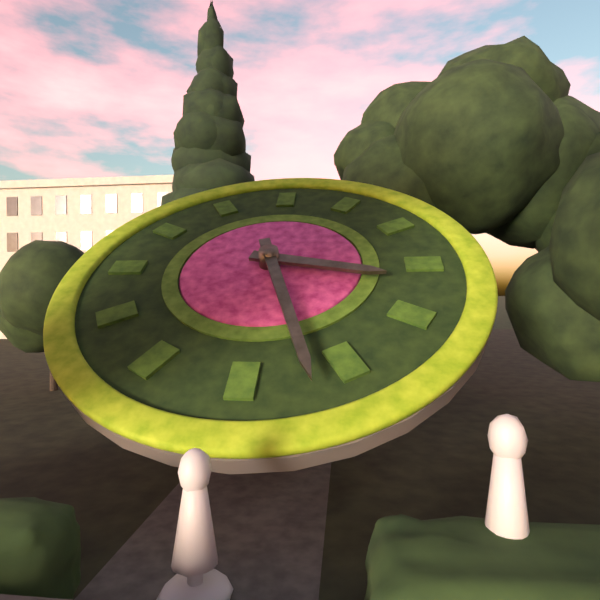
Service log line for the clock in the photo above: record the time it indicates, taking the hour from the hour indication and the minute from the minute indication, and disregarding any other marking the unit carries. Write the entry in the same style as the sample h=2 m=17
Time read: h=3 m=27
